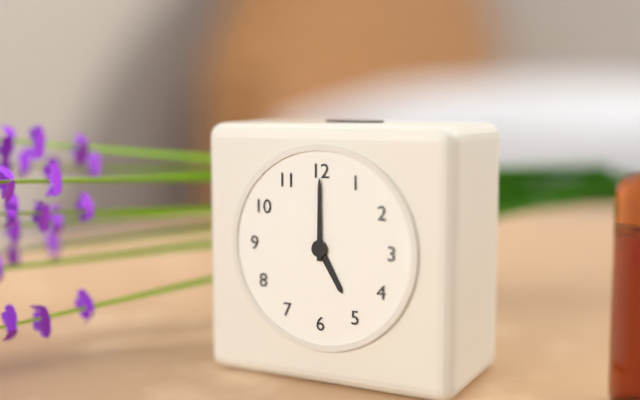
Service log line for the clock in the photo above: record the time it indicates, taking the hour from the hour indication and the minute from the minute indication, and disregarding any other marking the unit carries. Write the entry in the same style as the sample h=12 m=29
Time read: h=5 m=0
